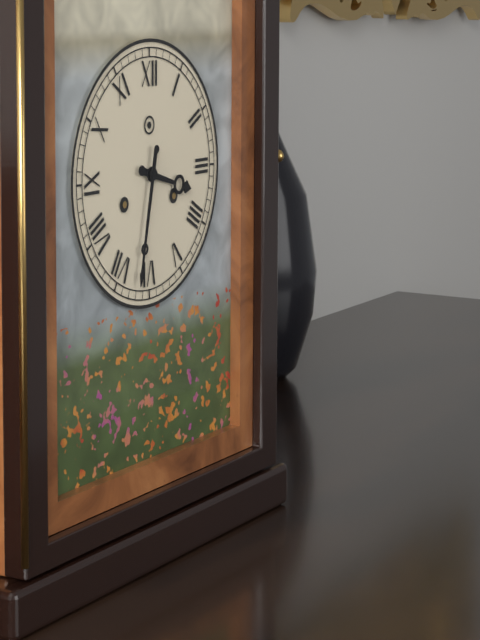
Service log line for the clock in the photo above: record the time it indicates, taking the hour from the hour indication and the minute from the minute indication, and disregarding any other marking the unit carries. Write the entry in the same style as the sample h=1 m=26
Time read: h=3 m=32
